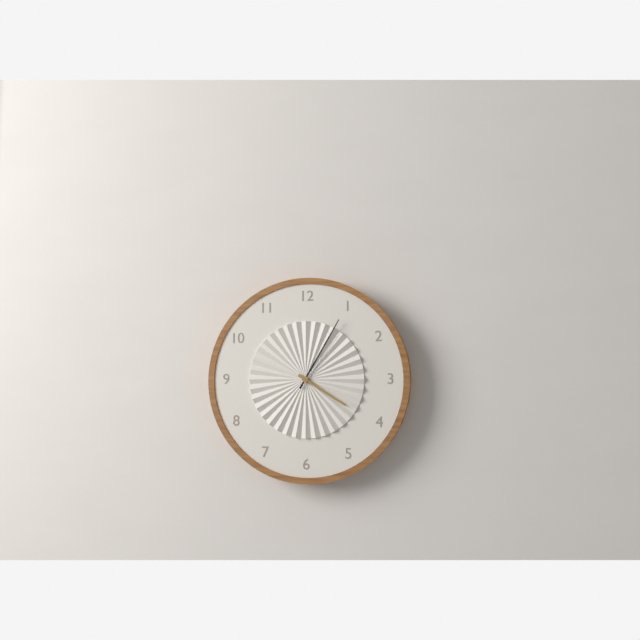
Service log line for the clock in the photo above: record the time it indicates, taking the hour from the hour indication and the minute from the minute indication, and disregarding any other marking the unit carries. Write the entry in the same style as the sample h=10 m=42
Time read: h=4 m=5
